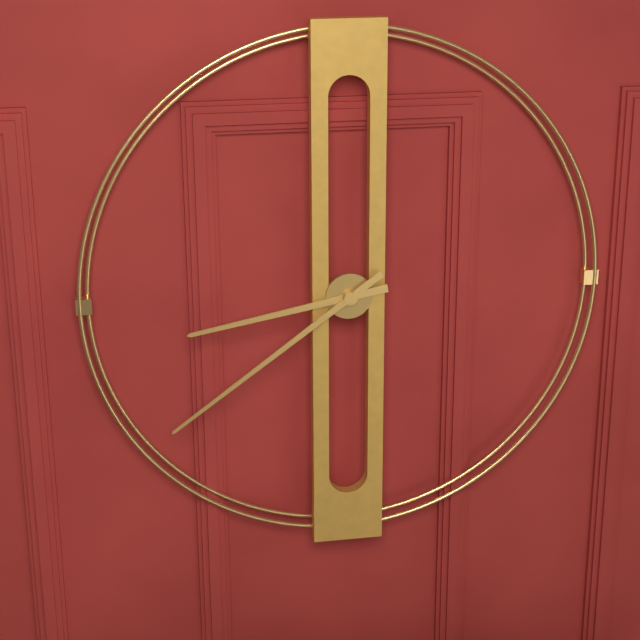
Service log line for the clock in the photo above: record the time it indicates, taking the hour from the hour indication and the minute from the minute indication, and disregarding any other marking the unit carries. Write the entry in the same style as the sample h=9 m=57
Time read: h=8 m=39
